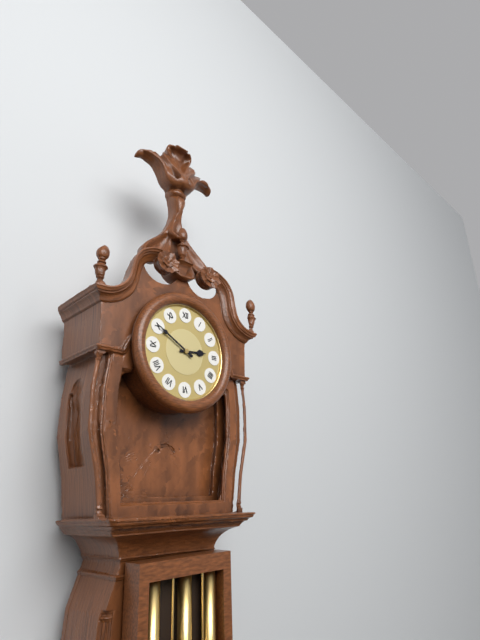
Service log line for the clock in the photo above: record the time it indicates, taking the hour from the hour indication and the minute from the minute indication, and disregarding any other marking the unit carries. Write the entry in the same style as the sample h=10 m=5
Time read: h=2 m=50
